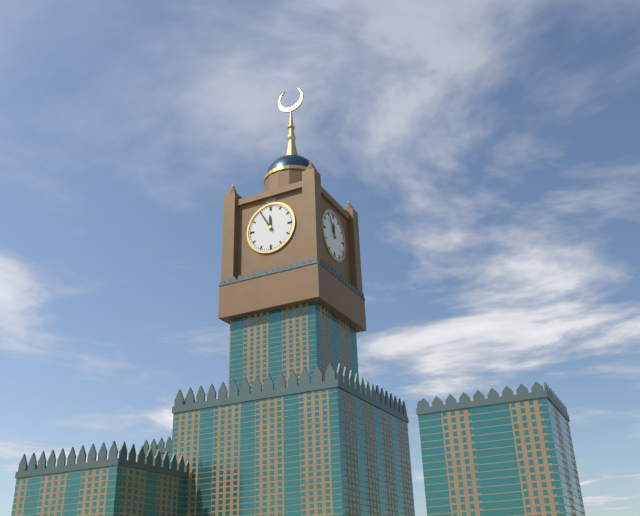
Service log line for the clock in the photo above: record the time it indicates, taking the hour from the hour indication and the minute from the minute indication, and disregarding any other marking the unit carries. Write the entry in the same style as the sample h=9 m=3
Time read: h=11 m=55
